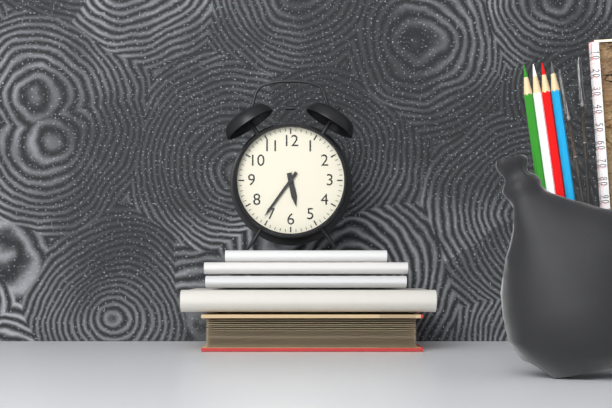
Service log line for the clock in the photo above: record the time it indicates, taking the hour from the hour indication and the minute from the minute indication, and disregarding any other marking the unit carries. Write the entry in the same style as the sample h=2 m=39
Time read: h=5 m=36
